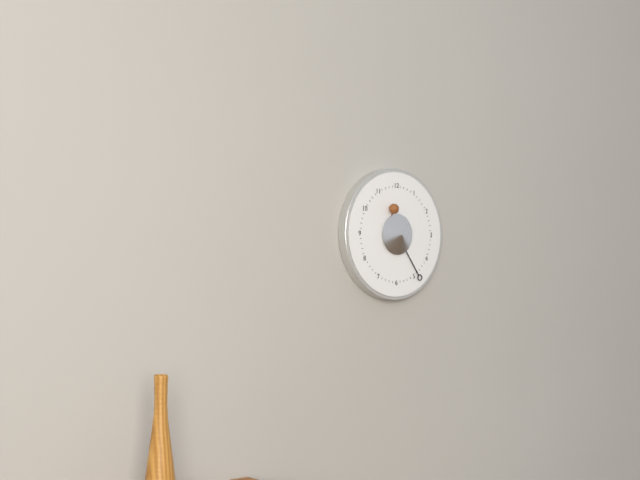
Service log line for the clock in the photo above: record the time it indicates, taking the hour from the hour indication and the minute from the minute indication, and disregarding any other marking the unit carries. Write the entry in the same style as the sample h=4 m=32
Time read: h=11 m=24
